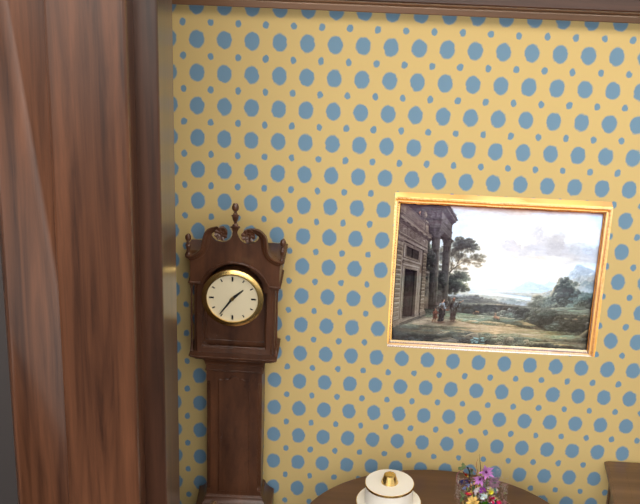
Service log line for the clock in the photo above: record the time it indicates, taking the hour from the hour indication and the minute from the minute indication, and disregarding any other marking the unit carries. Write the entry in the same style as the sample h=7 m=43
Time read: h=1 m=36
